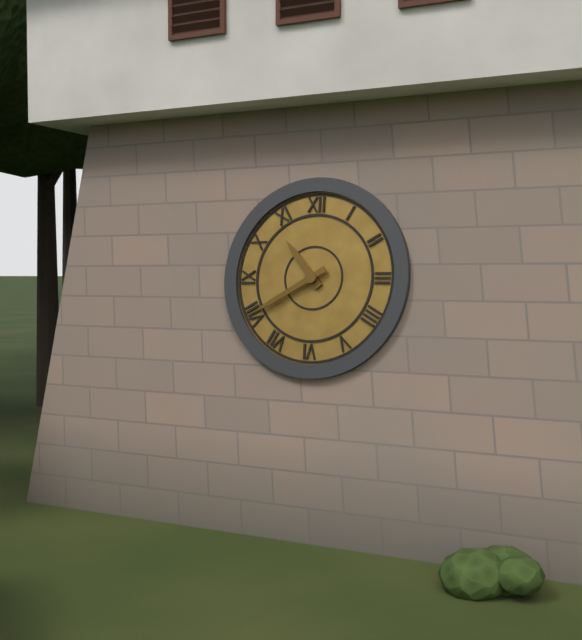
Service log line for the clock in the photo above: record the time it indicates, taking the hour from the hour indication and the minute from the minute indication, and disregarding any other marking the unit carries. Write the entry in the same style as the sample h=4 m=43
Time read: h=10 m=40
